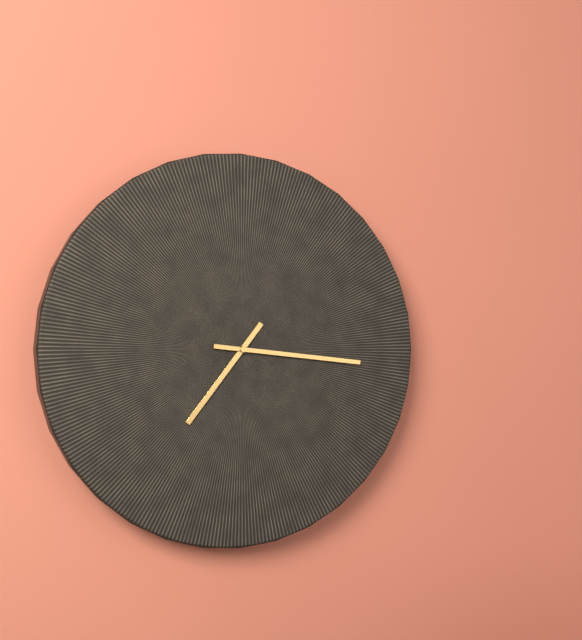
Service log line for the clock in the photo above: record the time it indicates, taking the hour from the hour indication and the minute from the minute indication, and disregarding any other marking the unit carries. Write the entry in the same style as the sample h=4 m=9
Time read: h=7 m=16
